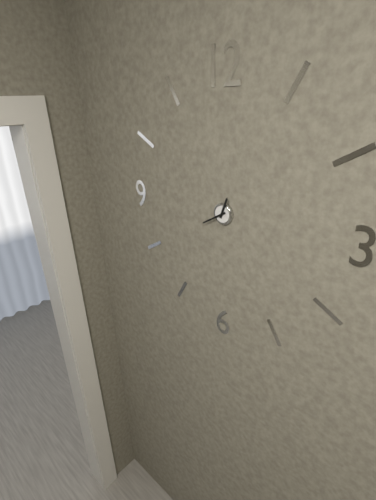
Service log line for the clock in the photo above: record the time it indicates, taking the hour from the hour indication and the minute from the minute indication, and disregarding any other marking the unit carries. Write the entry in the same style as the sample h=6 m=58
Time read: h=12 m=40
